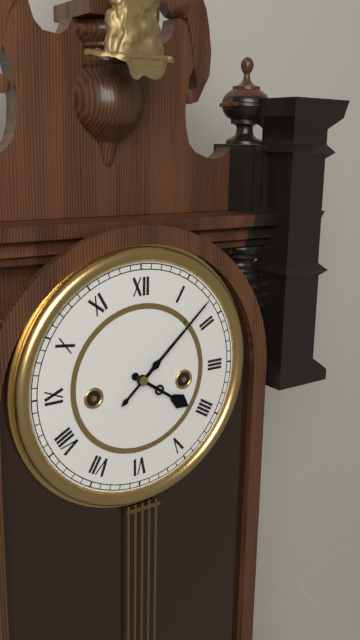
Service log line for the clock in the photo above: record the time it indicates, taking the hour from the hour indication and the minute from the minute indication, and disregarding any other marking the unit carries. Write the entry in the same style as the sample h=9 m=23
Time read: h=4 m=8
